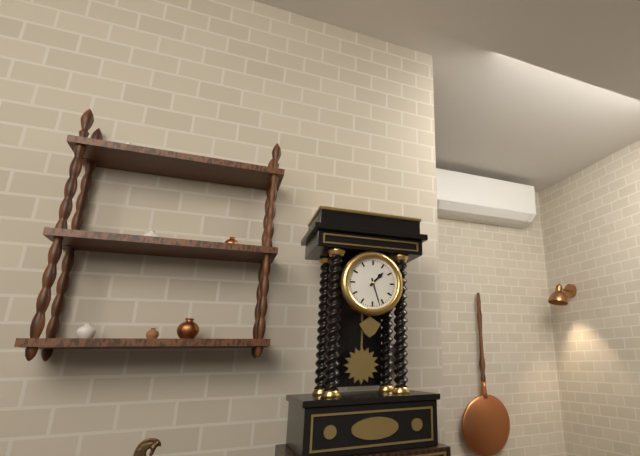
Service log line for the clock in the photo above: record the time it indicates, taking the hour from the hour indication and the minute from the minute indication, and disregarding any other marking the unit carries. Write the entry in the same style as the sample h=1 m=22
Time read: h=1 m=27
